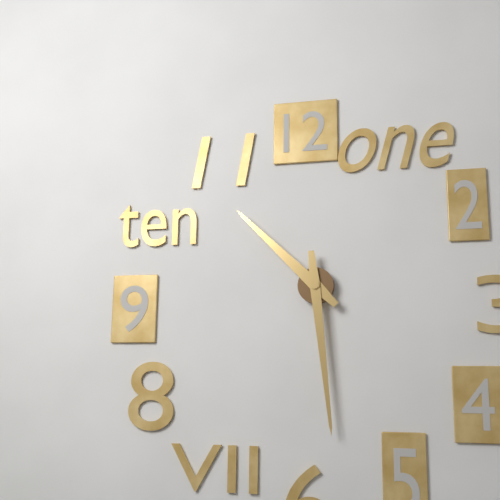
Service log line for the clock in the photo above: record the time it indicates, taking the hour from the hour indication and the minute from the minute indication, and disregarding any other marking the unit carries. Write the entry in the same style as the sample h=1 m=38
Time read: h=10 m=29
